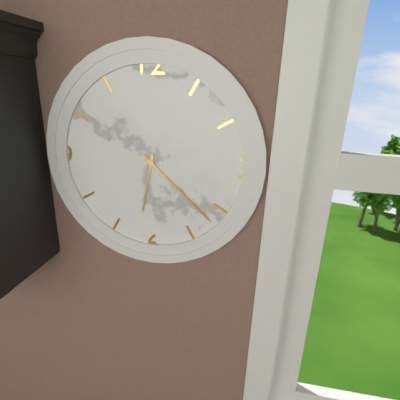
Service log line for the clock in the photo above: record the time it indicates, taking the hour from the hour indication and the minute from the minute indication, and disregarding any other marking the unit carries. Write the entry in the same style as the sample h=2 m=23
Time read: h=6 m=22
